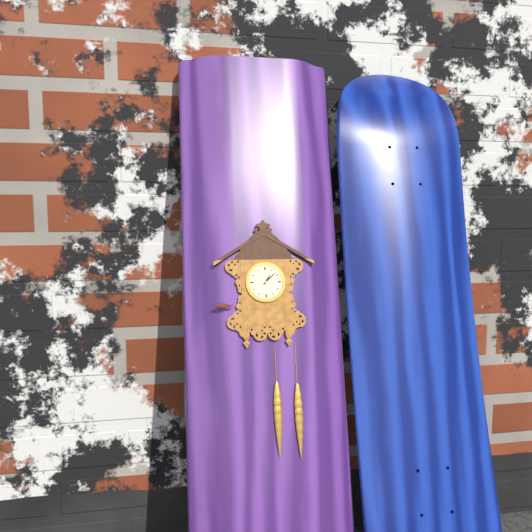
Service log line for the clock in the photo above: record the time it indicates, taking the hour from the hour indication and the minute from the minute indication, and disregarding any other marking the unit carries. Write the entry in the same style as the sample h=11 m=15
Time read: h=1 m=8
